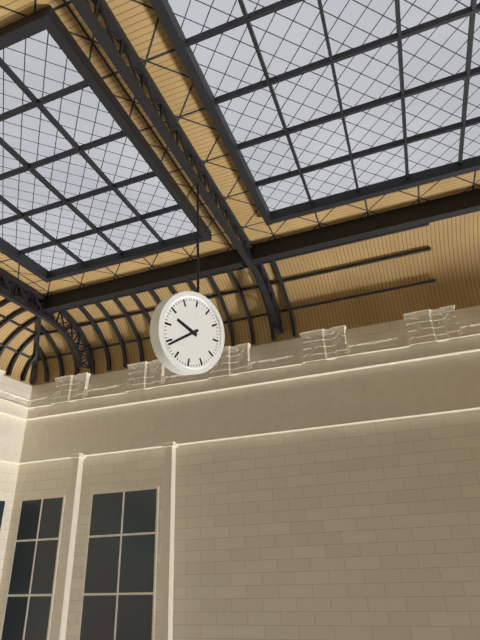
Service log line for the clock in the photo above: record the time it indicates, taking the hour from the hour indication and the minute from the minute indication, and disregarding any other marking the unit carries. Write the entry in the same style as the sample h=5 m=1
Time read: h=9 m=39
